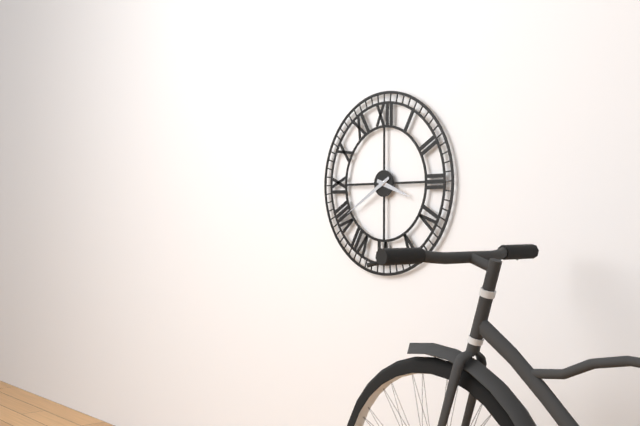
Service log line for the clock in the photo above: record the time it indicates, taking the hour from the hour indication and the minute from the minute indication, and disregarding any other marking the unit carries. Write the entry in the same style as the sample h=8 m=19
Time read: h=3 m=40
